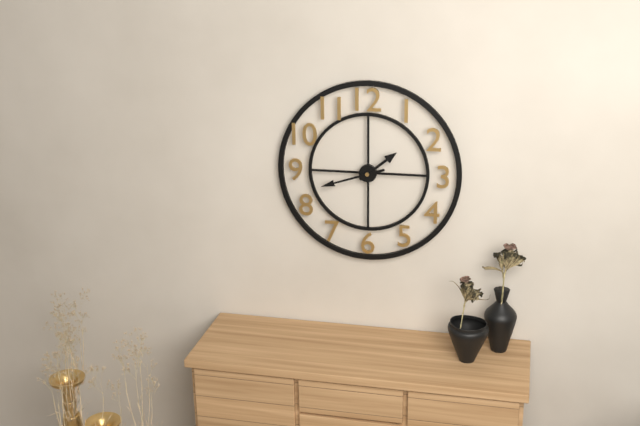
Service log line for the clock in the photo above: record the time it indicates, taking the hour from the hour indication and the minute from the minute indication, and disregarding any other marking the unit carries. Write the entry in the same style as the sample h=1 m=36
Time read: h=1 m=42
